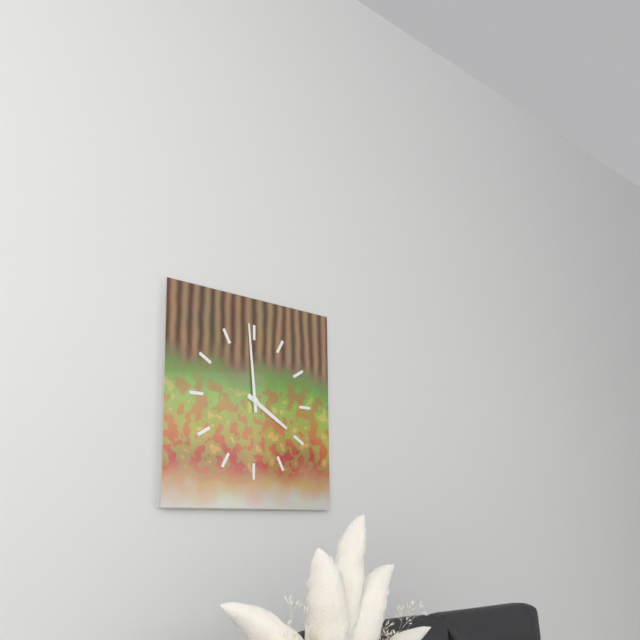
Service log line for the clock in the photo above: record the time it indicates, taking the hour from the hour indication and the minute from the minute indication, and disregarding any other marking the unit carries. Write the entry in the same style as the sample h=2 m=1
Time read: h=3 m=59
